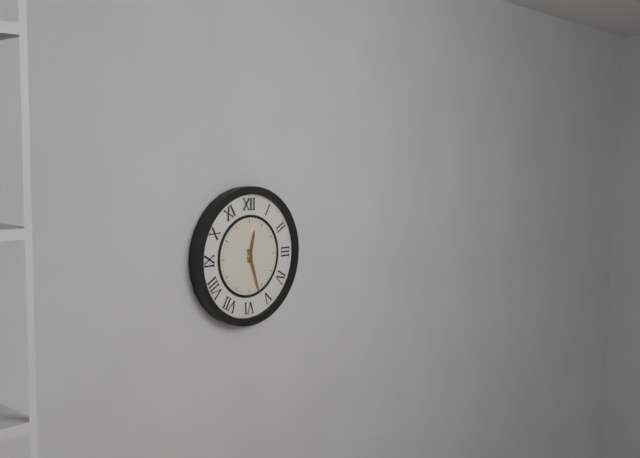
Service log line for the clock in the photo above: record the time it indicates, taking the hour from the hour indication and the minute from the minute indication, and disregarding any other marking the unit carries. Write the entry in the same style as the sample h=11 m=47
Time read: h=12 m=27
